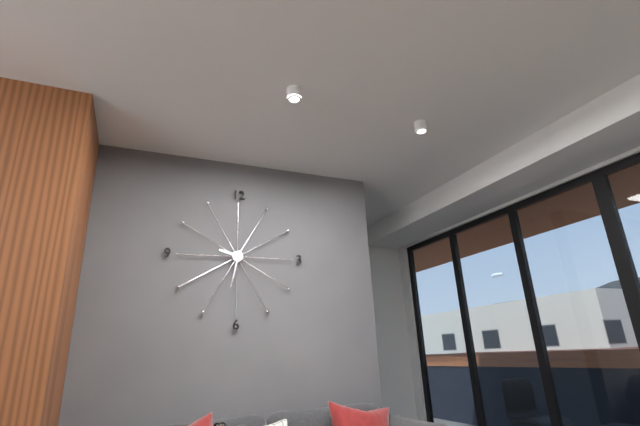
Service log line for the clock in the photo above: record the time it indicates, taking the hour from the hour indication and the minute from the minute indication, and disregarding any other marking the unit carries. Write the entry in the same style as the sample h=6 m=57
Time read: h=9 m=32
